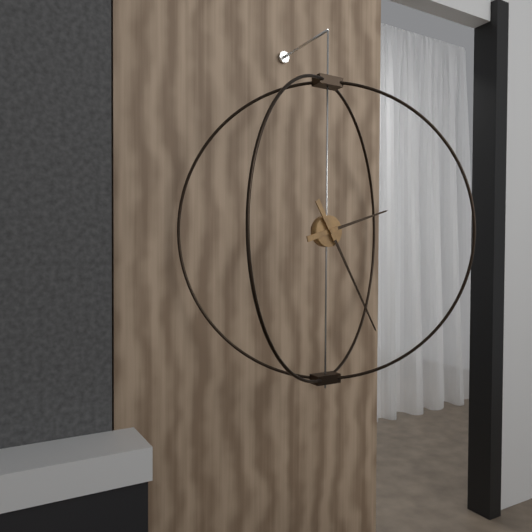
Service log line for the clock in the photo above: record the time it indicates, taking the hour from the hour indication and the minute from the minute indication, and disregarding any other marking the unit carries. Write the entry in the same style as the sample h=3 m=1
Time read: h=2 m=25
